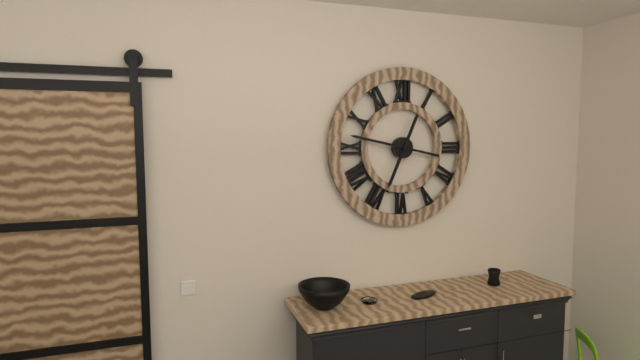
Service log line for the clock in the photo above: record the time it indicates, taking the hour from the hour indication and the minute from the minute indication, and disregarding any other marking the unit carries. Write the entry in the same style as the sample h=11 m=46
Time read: h=6 m=47
